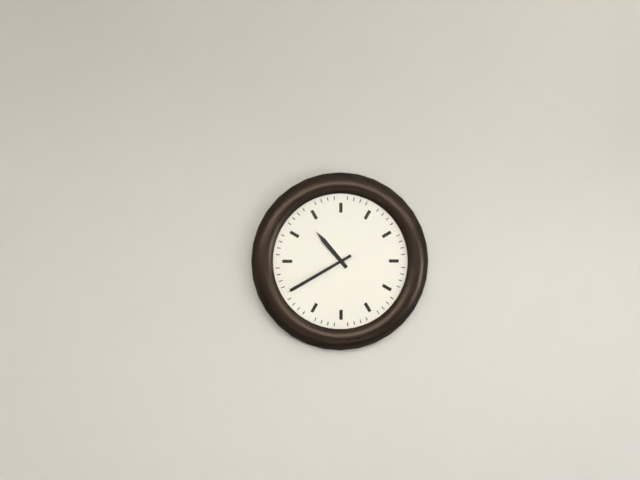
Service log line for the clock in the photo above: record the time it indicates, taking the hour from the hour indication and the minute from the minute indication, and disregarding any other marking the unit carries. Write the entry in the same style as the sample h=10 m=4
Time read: h=10 m=40
